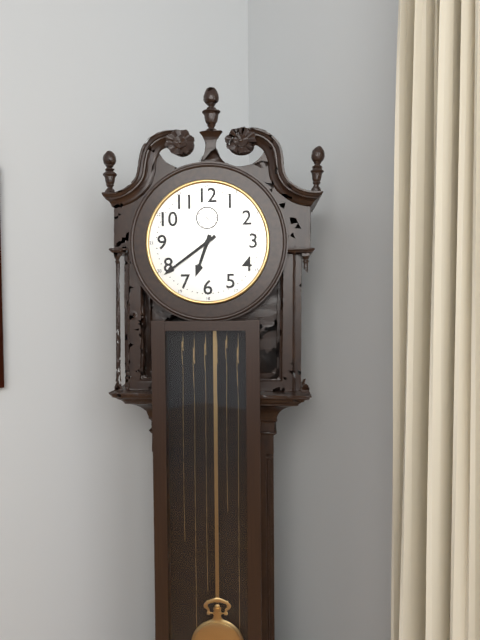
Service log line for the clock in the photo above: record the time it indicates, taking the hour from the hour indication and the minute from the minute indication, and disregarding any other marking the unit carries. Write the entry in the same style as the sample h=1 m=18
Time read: h=6 m=39
